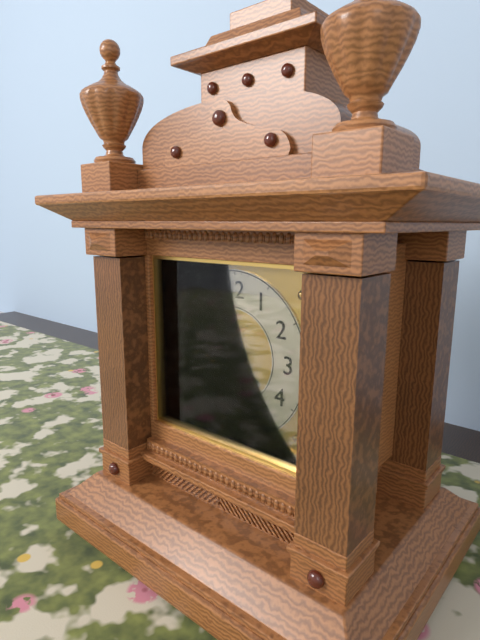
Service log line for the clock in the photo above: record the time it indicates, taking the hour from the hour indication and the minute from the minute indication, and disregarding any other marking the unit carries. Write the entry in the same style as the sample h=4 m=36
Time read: h=11 m=43
